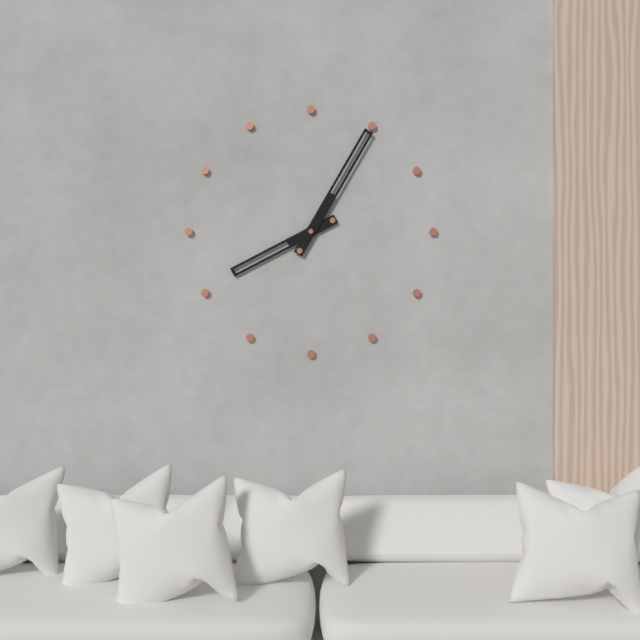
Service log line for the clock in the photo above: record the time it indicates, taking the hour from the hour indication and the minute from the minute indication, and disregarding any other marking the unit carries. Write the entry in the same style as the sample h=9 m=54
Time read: h=8 m=5
